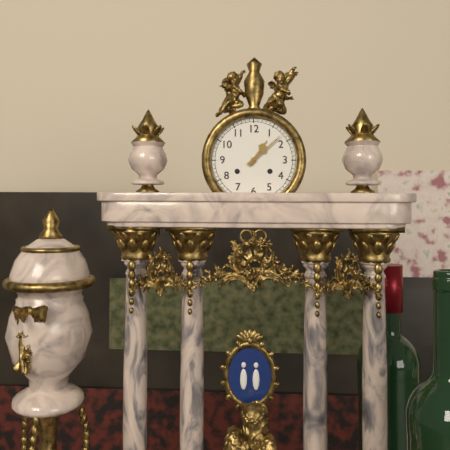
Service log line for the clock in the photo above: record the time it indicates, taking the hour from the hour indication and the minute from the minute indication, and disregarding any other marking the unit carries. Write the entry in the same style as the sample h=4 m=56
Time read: h=1 m=8
